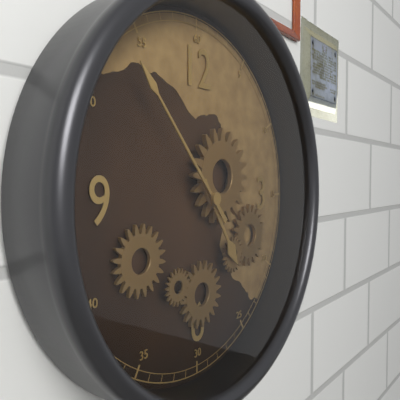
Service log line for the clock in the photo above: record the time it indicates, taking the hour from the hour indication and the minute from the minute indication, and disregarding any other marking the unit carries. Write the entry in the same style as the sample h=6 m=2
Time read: h=4 m=53
